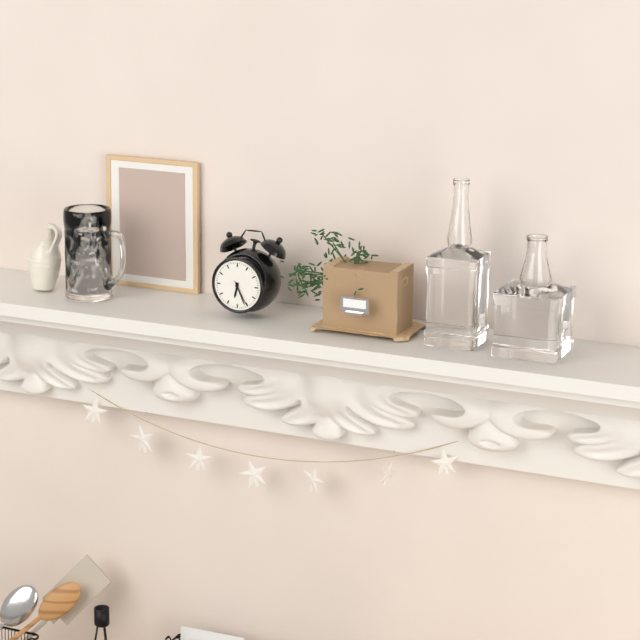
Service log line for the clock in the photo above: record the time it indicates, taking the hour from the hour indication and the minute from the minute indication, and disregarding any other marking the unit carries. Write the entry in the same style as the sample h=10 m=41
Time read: h=6 m=26
